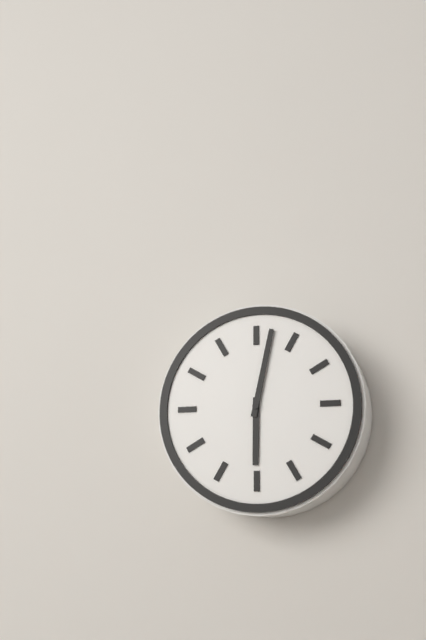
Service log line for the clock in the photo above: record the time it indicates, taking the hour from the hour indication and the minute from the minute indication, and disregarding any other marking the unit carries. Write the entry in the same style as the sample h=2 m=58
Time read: h=6 m=2
